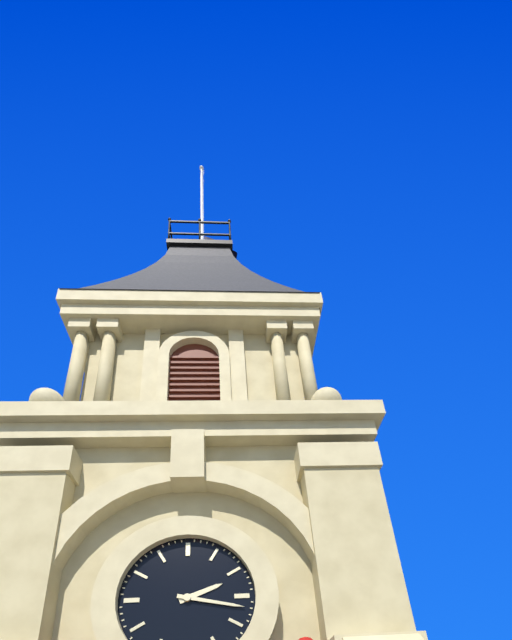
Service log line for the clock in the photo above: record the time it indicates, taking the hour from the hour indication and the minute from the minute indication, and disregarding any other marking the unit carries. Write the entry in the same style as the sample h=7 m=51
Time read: h=2 m=17
